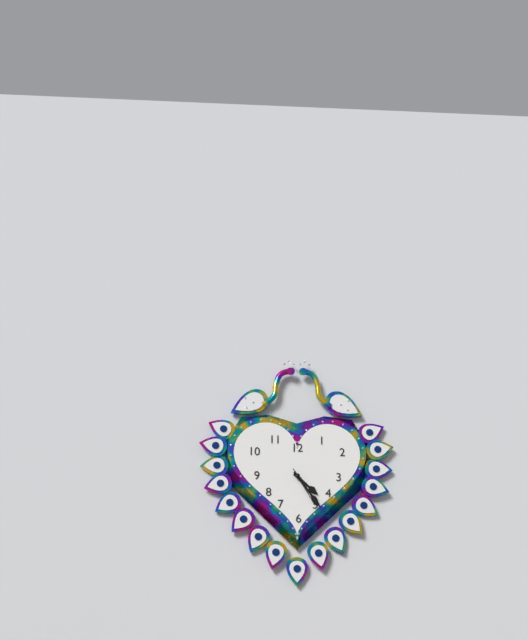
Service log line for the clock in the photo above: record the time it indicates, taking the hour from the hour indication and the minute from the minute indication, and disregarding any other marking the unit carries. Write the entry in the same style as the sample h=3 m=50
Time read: h=4 m=24
